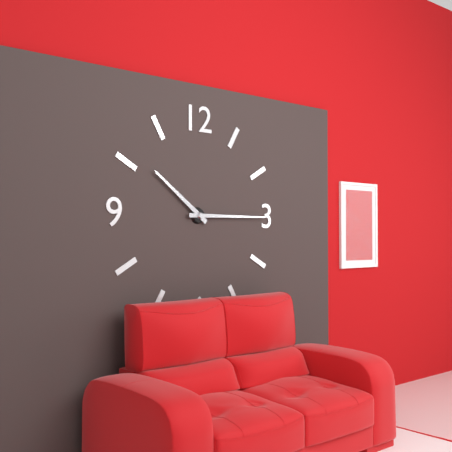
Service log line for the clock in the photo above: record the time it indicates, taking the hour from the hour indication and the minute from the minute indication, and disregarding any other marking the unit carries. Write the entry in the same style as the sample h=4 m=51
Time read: h=10 m=15
